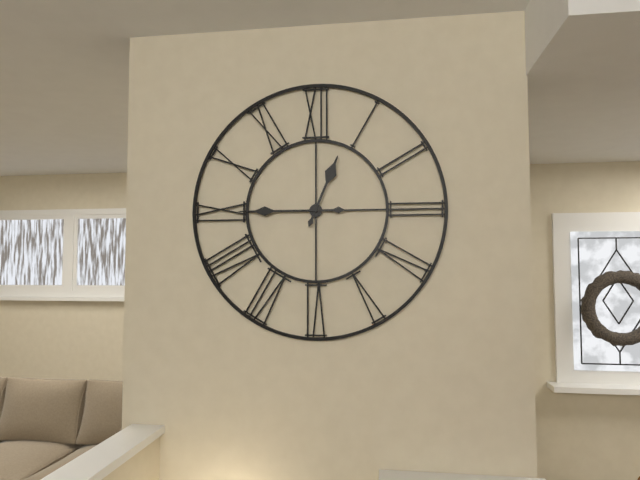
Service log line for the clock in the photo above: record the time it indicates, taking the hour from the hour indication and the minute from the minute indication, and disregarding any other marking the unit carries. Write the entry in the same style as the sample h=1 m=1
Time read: h=12 m=45
